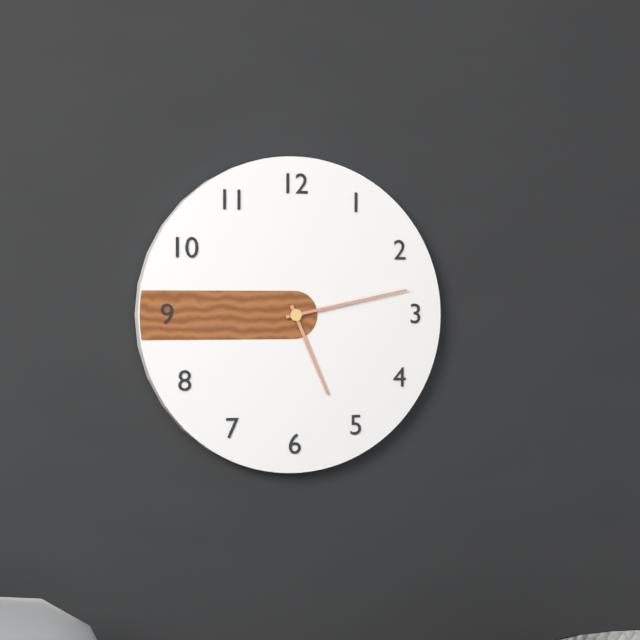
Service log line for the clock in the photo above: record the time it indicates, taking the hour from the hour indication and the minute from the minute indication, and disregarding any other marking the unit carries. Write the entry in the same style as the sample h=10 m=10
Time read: h=5 m=13
